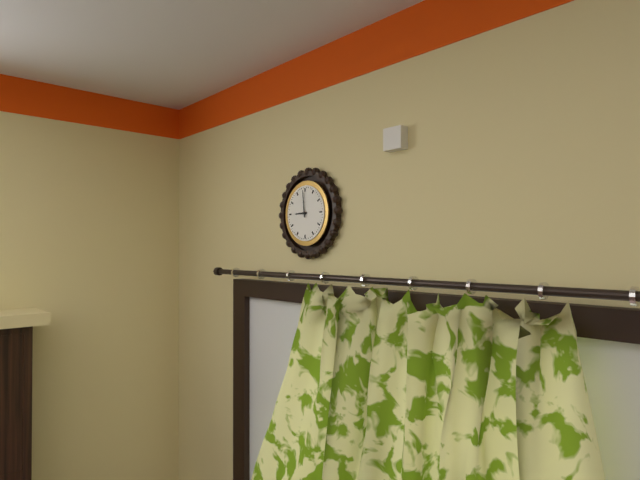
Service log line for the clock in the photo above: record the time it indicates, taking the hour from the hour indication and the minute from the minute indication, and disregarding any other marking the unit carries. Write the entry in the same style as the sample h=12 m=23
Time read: h=8 m=59
